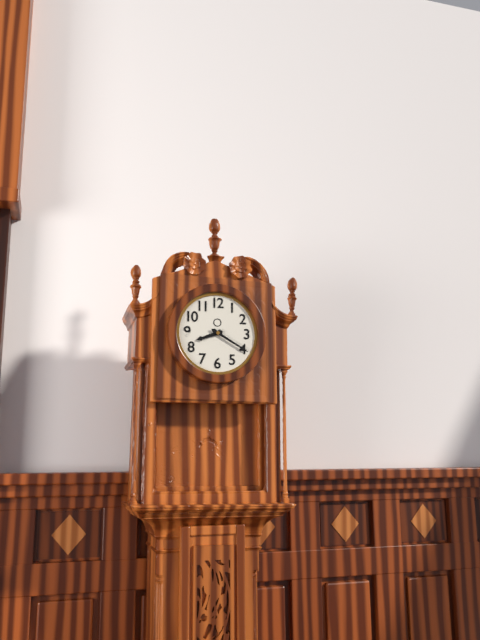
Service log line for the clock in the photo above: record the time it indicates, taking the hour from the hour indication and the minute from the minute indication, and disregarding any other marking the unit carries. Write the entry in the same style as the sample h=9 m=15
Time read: h=8 m=20
